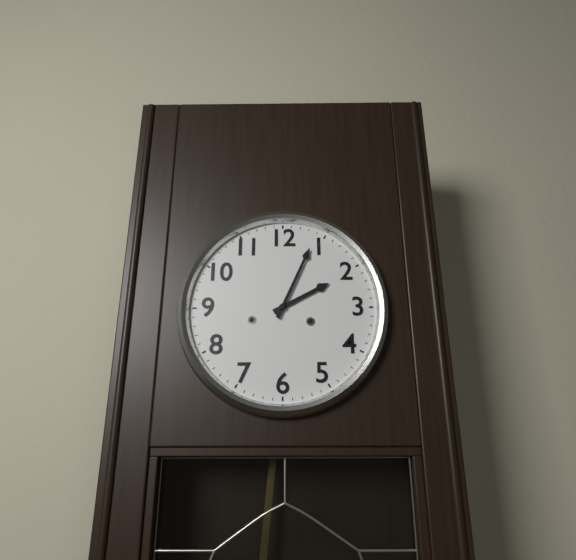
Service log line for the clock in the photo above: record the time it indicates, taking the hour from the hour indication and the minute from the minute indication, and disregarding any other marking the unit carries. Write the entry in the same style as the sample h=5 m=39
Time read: h=2 m=4
